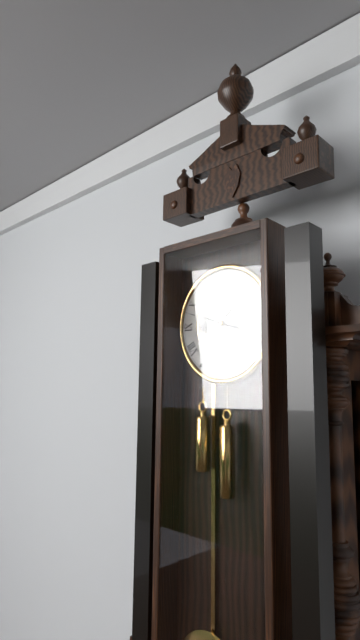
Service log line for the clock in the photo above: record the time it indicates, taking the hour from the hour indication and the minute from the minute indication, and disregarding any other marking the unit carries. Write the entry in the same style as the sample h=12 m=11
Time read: h=8 m=48
